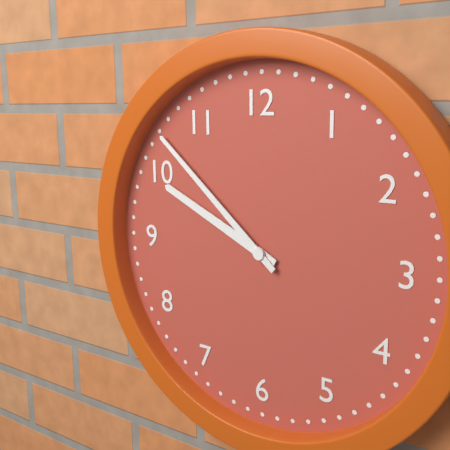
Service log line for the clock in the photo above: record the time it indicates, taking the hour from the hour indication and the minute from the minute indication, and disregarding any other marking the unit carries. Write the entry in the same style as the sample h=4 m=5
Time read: h=9 m=52
